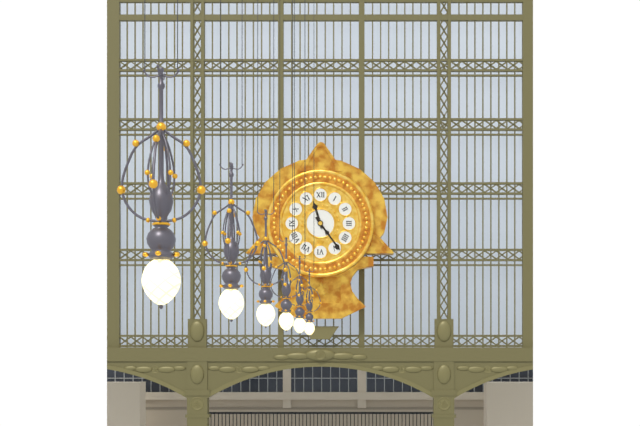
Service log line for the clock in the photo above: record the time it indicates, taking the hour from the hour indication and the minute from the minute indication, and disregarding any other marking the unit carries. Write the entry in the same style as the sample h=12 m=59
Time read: h=11 m=24
